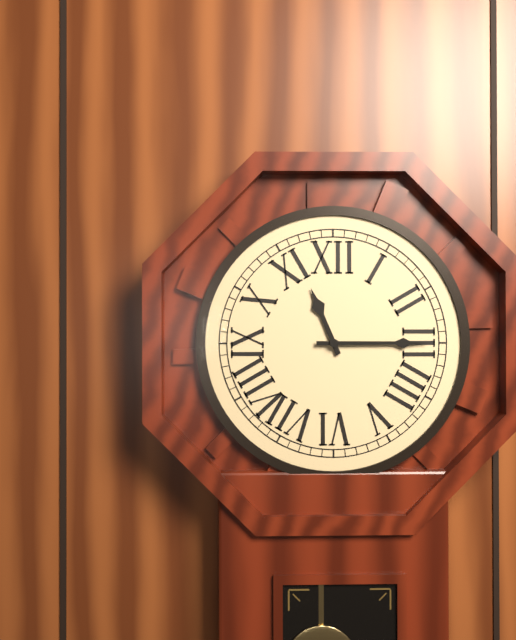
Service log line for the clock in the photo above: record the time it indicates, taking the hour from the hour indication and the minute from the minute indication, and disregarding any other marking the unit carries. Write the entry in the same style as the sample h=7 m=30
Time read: h=11 m=15
